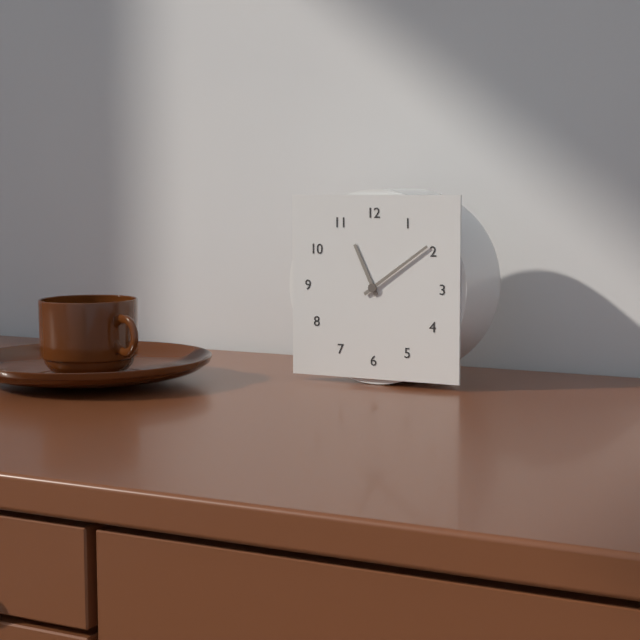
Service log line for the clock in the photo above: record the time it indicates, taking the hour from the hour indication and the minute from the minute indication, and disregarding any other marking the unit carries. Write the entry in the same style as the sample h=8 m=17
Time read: h=11 m=9
